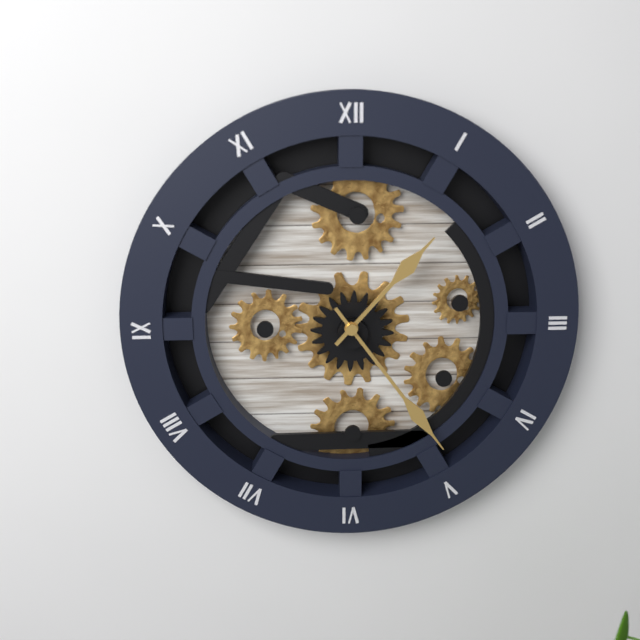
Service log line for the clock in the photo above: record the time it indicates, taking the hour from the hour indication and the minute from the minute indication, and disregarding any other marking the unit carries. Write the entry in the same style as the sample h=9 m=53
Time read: h=1 m=24
